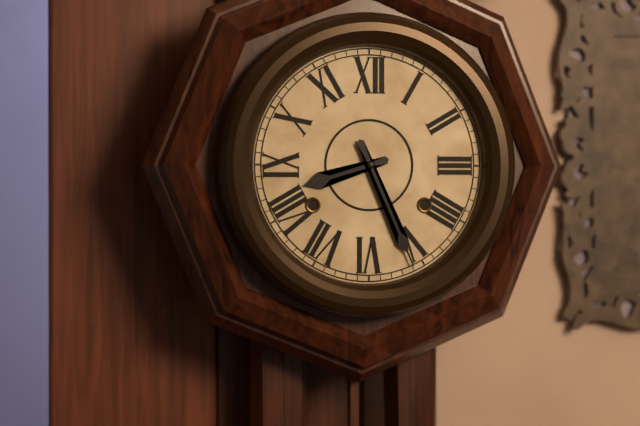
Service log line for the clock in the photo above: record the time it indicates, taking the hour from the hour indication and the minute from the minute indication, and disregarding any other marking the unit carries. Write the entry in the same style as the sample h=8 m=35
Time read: h=8 m=26
